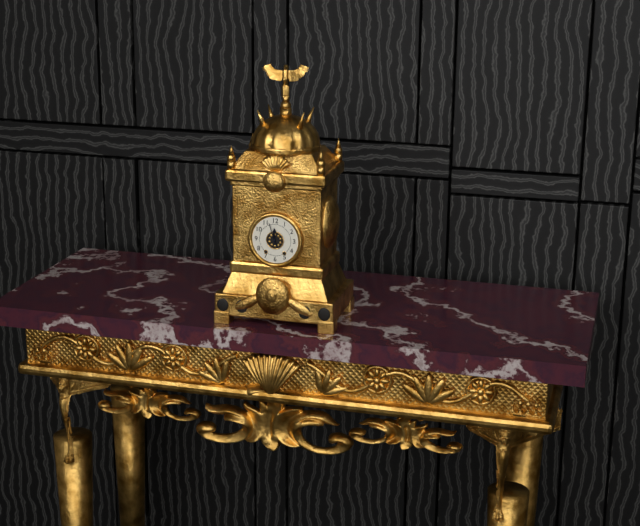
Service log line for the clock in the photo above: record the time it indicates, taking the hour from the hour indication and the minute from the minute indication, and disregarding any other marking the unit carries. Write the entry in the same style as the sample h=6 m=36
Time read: h=11 m=57
